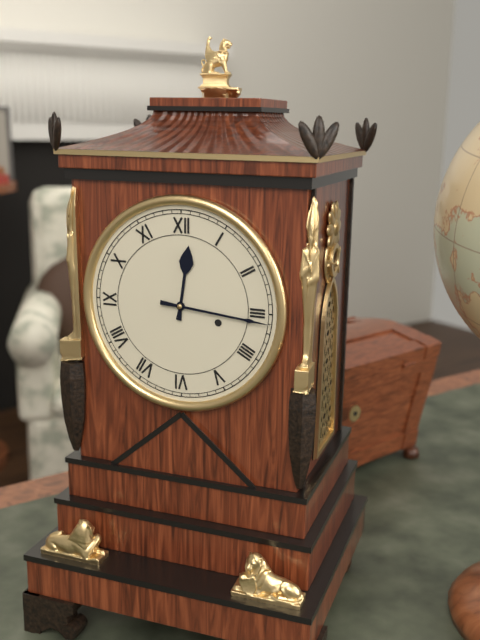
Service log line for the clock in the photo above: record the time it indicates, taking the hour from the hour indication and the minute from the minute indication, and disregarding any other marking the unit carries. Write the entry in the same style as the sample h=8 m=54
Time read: h=12 m=16
